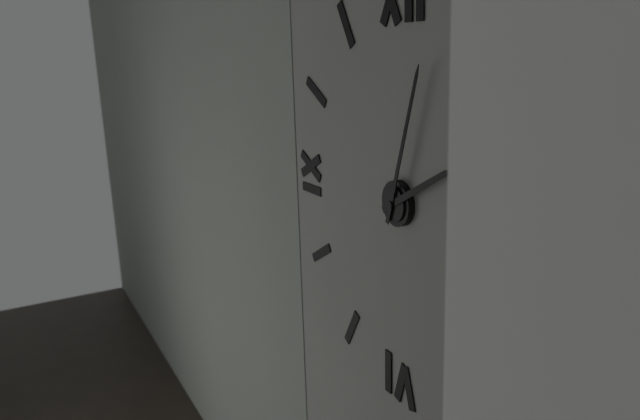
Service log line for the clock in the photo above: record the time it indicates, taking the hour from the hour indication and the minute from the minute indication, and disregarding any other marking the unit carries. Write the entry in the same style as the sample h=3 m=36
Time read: h=2 m=3
